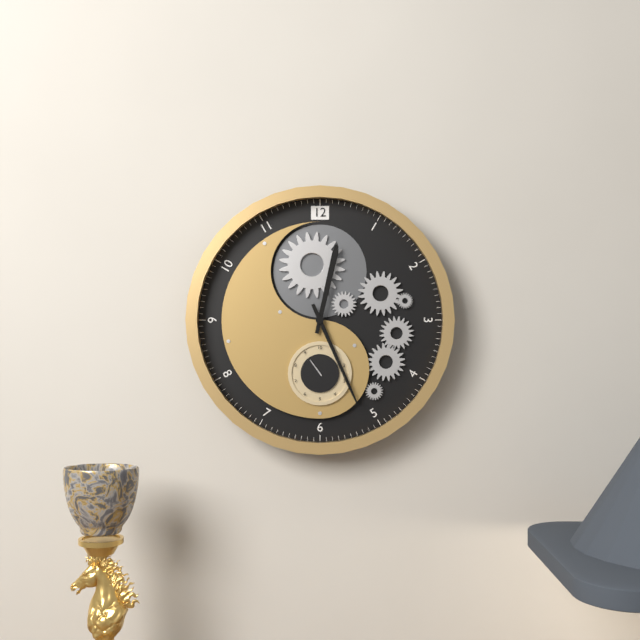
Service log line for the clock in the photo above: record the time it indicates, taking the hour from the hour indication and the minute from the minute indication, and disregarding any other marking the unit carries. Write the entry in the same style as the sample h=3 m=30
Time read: h=12 m=26
